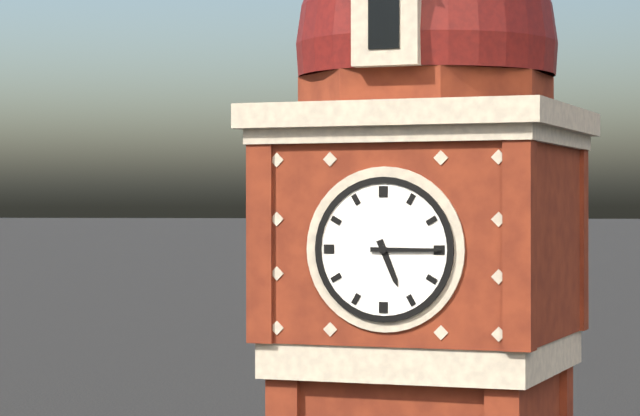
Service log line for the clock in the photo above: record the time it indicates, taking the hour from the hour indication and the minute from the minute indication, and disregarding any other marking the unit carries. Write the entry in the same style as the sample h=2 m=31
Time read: h=5 m=15
